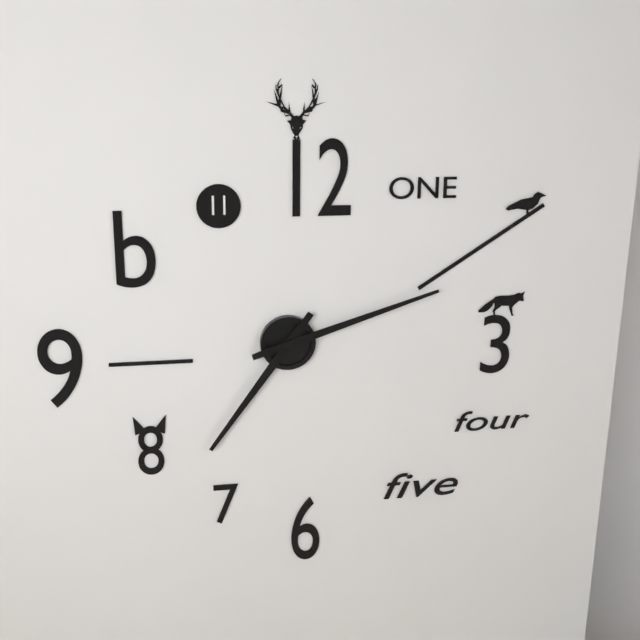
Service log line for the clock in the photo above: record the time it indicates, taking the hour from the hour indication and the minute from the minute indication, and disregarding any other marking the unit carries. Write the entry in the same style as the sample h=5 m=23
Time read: h=7 m=12
